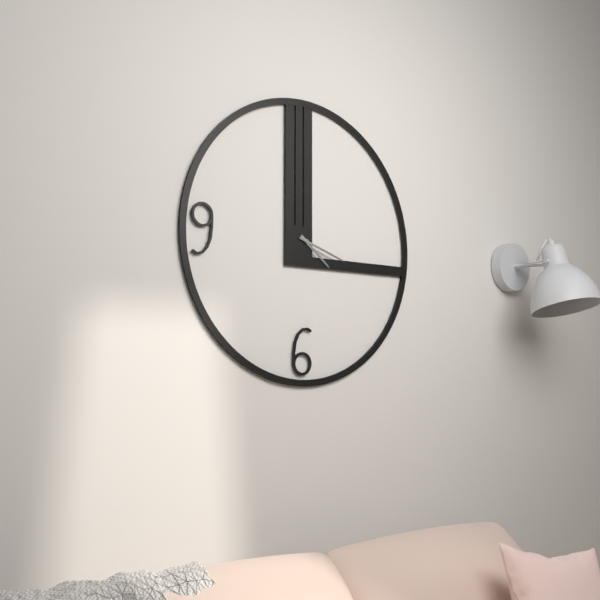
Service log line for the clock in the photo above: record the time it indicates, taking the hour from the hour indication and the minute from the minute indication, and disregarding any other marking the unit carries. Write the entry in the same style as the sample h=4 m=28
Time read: h=4 m=18
